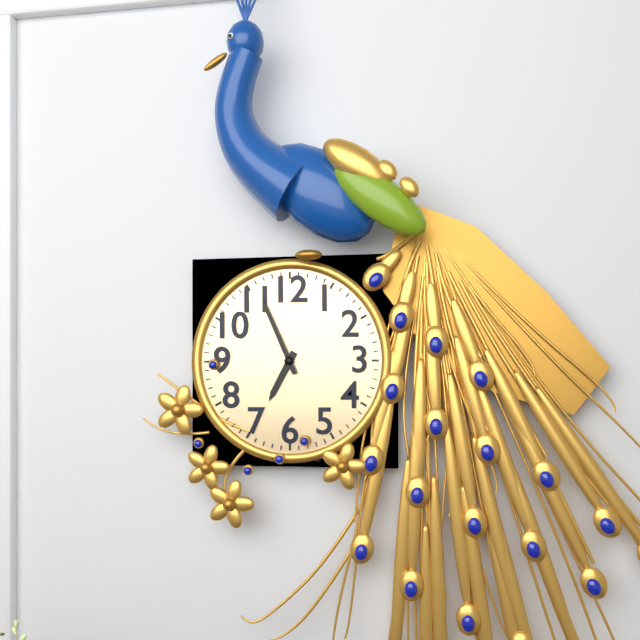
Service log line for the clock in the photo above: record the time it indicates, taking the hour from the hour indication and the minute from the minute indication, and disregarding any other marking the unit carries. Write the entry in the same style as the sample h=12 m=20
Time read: h=6 m=56
